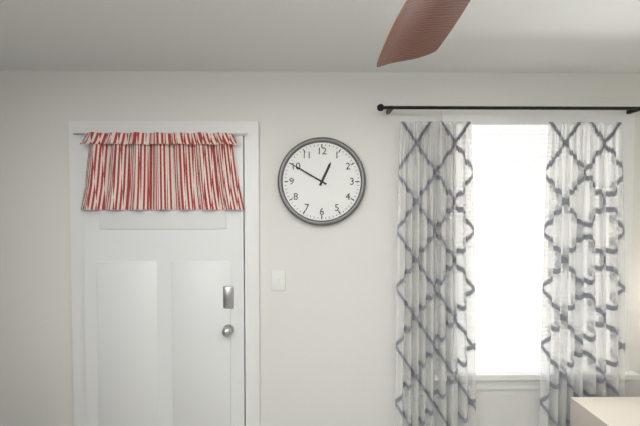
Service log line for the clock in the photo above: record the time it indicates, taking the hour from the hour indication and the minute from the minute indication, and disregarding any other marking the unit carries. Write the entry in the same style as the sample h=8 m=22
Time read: h=12 m=50
